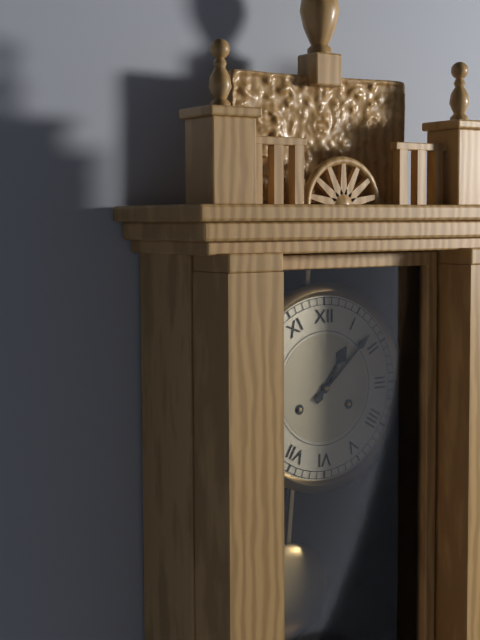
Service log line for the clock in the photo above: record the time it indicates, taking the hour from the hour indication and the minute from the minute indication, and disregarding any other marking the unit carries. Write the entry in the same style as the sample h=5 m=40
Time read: h=1 m=8
